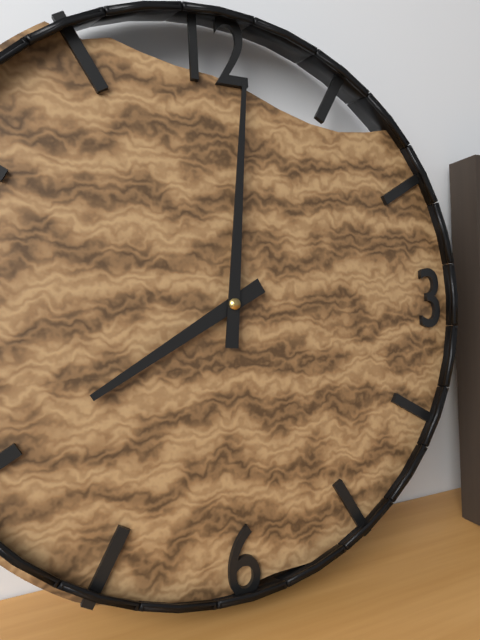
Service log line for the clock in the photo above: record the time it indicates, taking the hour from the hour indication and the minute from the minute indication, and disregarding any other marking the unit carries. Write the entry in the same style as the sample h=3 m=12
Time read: h=8 m=1
